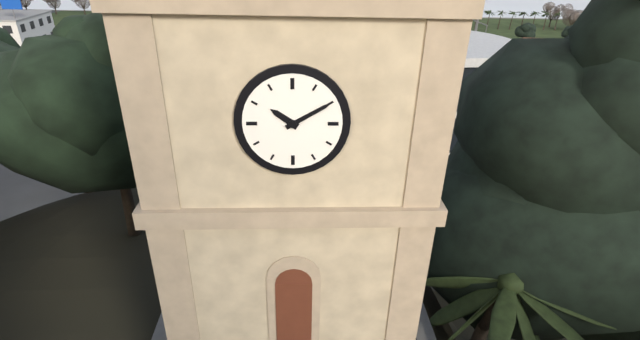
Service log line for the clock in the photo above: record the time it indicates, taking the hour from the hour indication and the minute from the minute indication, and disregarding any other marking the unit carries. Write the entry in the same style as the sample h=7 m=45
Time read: h=10 m=10
